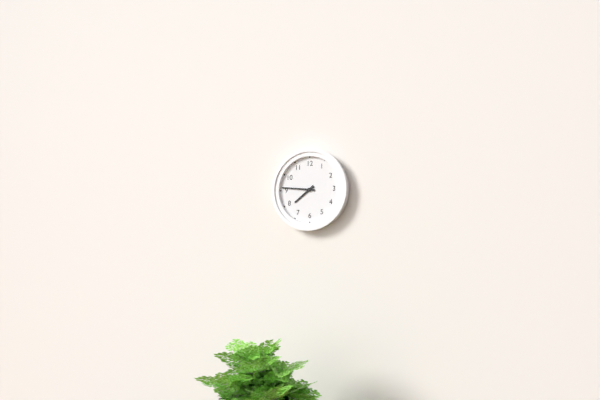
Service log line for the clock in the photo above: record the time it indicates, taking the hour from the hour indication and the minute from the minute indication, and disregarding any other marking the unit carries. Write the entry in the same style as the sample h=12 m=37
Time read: h=7 m=46
